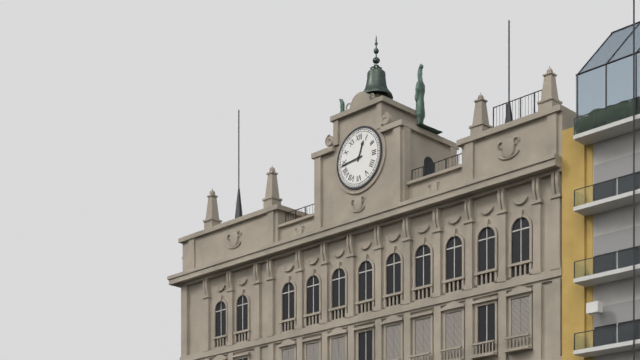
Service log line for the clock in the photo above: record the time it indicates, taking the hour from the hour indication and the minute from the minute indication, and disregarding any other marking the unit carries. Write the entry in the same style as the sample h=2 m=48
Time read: h=12 m=44
